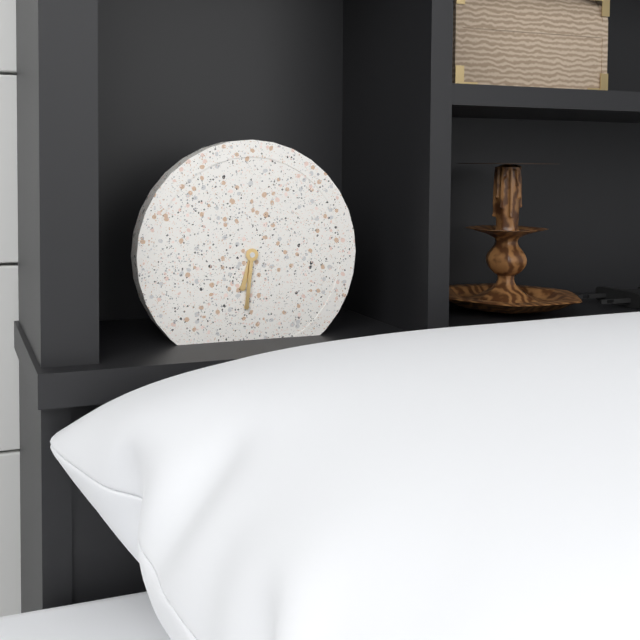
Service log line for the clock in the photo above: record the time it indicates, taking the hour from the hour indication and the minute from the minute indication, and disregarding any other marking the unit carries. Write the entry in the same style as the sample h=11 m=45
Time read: h=6 m=31
